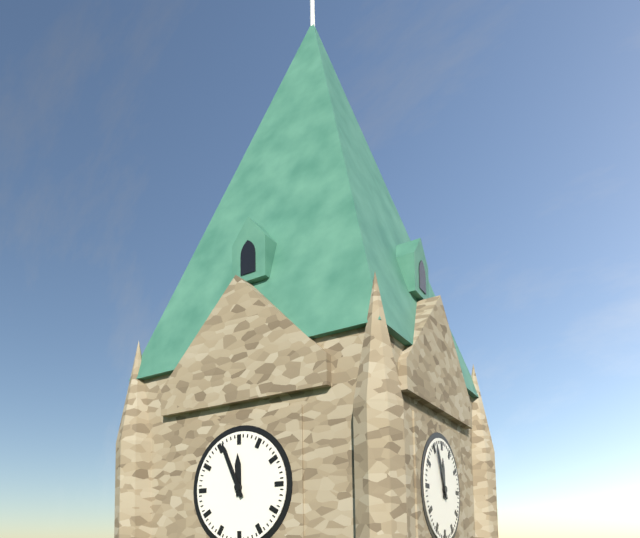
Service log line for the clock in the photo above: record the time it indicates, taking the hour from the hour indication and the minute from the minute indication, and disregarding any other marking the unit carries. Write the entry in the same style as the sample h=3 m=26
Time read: h=11 m=56
